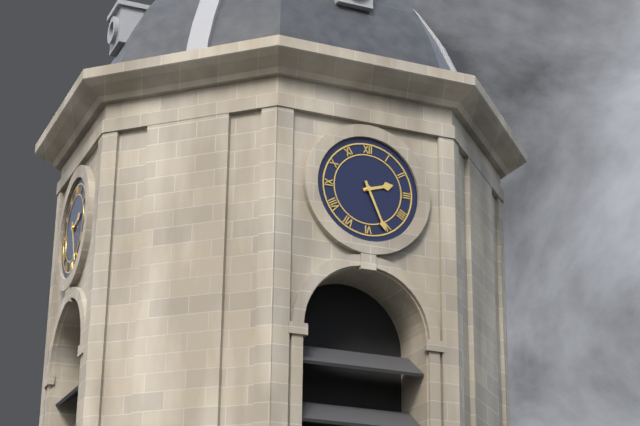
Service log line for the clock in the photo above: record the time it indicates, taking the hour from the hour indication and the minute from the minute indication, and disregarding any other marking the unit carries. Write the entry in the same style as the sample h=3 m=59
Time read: h=2 m=26
